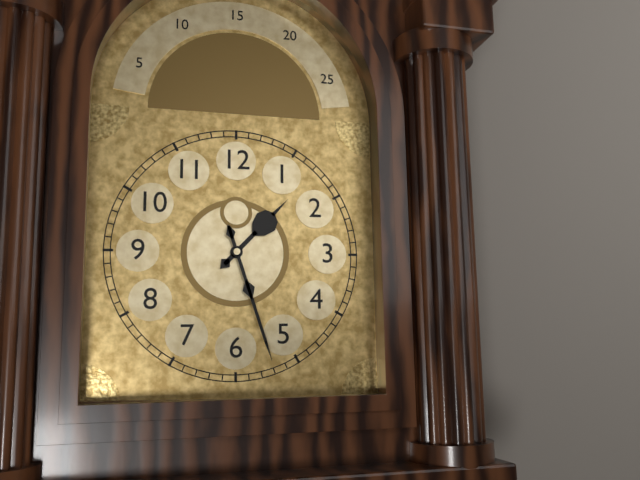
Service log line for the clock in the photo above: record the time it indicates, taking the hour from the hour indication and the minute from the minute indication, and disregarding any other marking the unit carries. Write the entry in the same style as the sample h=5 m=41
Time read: h=1 m=27
